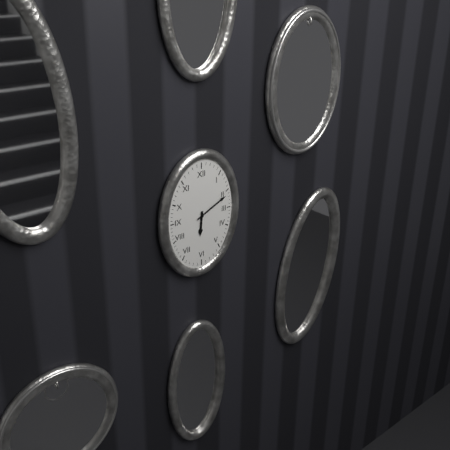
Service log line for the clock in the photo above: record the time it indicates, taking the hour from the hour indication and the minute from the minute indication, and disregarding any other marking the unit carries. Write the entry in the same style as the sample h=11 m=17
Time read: h=6 m=11
